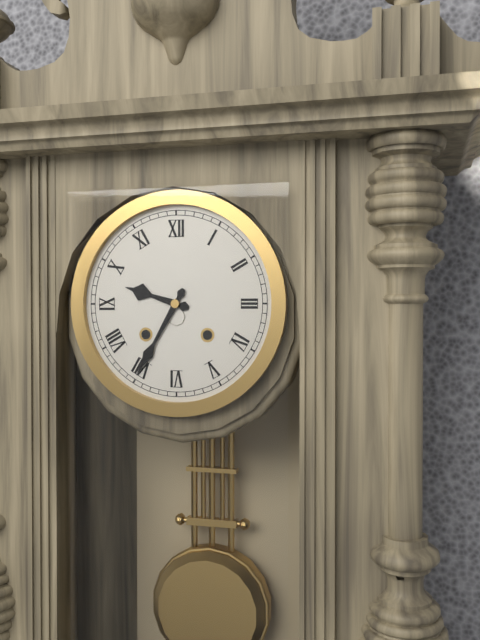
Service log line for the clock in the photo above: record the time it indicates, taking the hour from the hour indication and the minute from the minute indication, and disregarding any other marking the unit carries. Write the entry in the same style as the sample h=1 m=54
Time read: h=9 m=35
